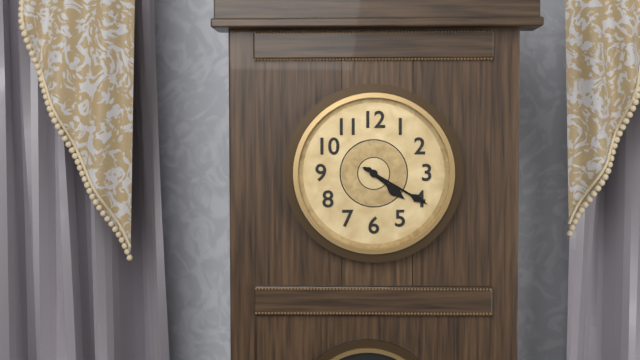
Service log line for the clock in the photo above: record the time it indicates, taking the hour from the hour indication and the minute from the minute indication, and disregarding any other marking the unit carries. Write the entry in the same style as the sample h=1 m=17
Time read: h=4 m=20
